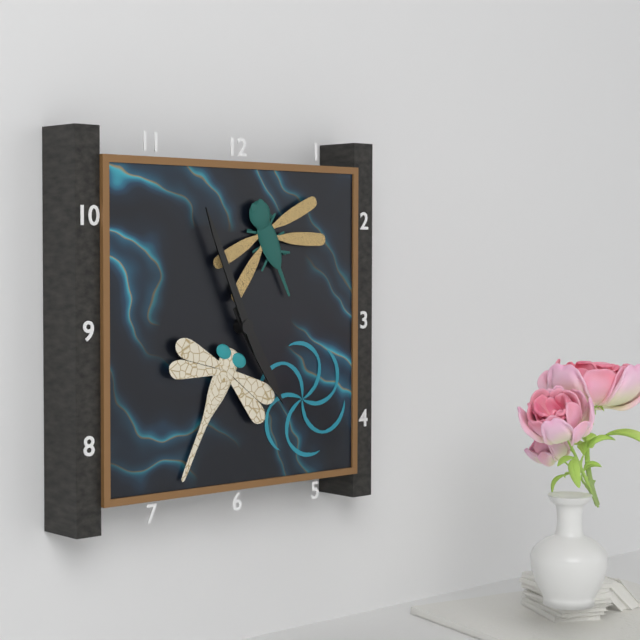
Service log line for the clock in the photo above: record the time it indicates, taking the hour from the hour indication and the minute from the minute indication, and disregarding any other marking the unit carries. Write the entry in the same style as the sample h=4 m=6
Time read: h=4 m=56
